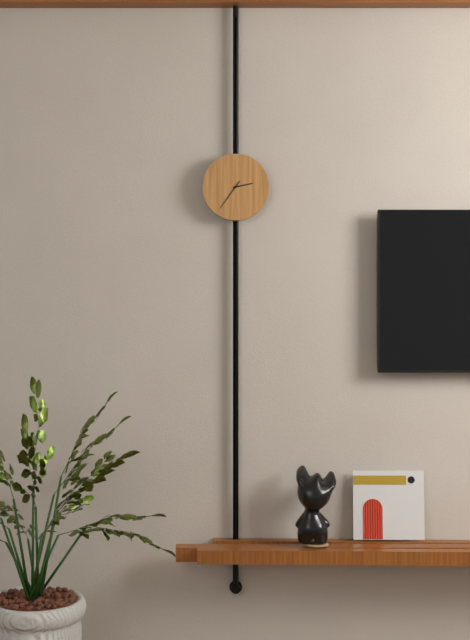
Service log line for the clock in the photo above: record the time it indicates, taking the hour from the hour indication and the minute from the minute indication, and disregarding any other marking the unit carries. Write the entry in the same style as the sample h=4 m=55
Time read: h=2 m=36
